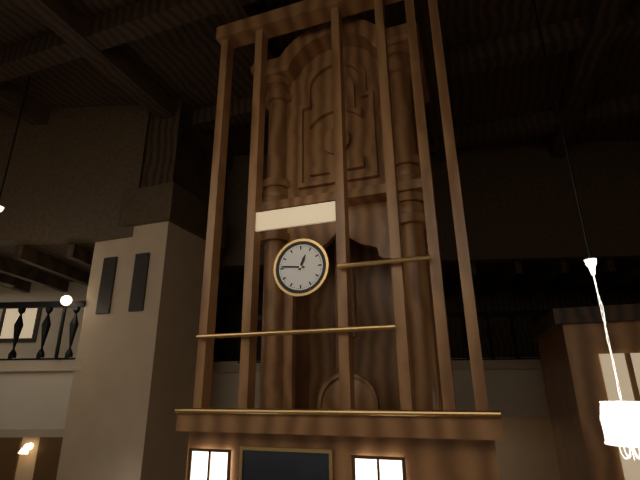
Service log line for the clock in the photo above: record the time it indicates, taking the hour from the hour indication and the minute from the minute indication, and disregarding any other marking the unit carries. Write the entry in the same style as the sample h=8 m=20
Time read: h=12 m=46
